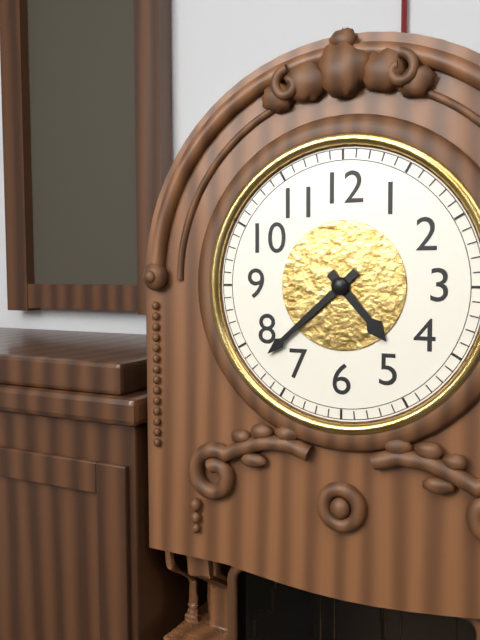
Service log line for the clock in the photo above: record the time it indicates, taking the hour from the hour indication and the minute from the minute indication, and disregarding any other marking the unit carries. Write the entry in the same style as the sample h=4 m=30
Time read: h=4 m=38
